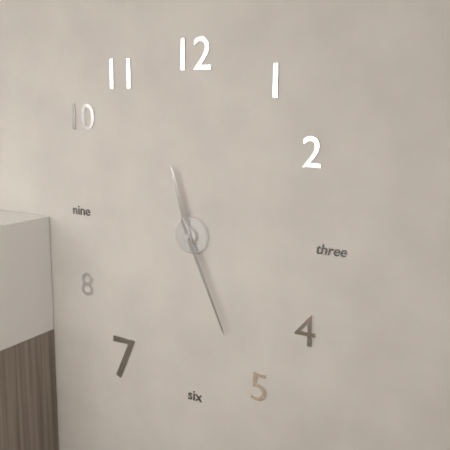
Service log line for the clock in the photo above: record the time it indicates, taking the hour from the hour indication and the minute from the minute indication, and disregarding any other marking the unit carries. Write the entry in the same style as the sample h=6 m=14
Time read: h=11 m=26
